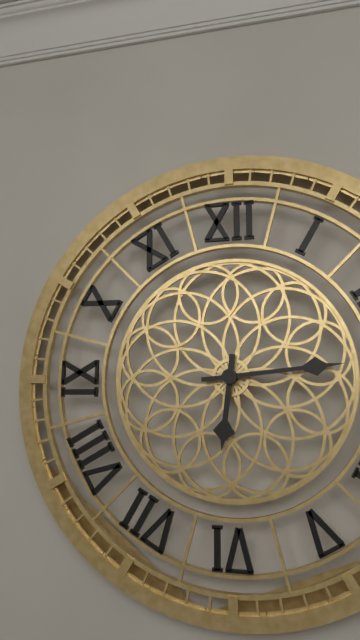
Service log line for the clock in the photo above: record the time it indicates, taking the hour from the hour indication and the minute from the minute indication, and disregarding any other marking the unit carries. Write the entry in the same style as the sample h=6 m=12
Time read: h=6 m=14
